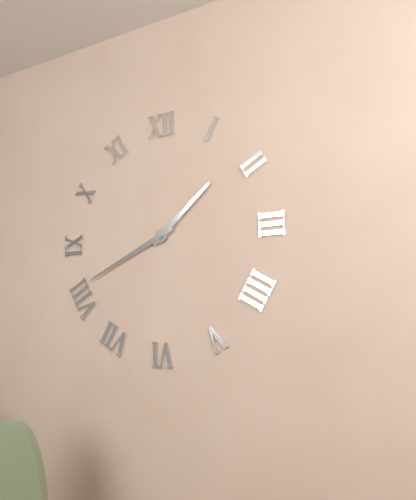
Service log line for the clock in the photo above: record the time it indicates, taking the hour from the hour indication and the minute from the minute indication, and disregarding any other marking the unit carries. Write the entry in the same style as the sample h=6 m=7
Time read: h=1 m=41
